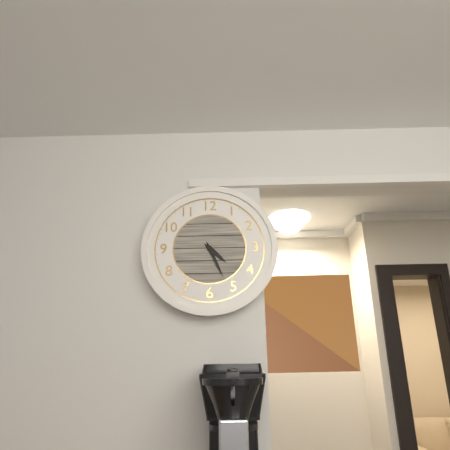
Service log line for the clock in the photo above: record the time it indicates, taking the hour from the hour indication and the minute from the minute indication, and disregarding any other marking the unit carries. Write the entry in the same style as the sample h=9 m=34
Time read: h=4 m=26
